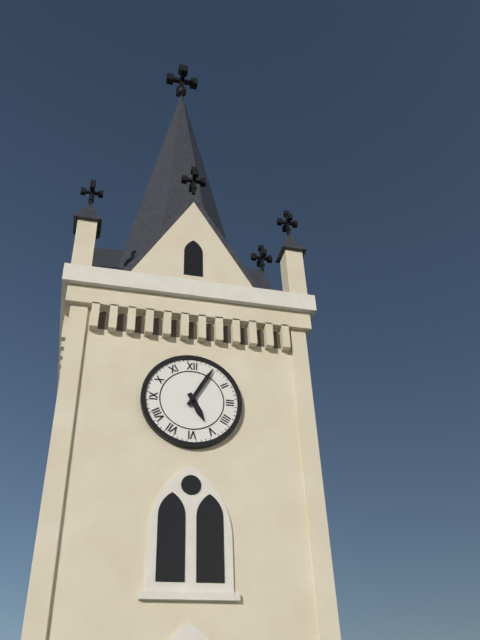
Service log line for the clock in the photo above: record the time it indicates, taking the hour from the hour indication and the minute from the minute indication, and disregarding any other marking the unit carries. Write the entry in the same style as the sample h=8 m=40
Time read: h=5 m=5
